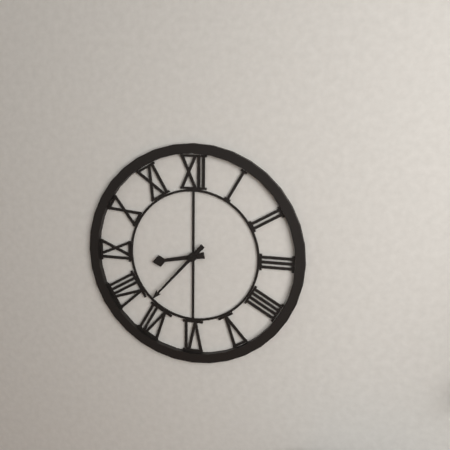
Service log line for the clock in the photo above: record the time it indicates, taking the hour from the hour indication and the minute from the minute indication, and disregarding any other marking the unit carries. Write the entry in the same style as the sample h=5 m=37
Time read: h=8 m=37
